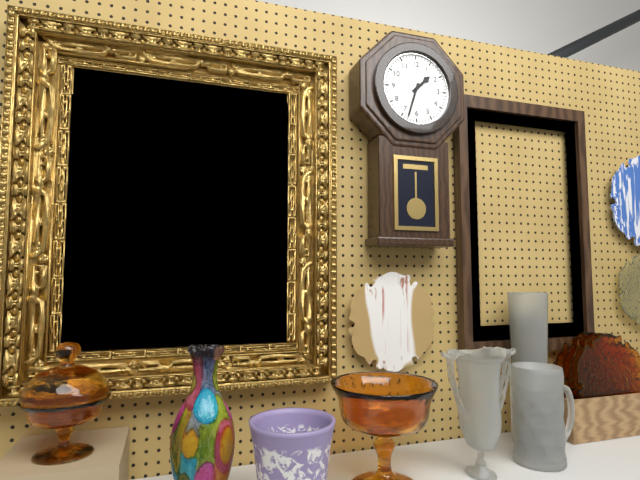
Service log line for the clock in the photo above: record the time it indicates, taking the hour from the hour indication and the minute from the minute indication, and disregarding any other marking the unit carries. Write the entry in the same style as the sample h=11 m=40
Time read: h=1 m=33
